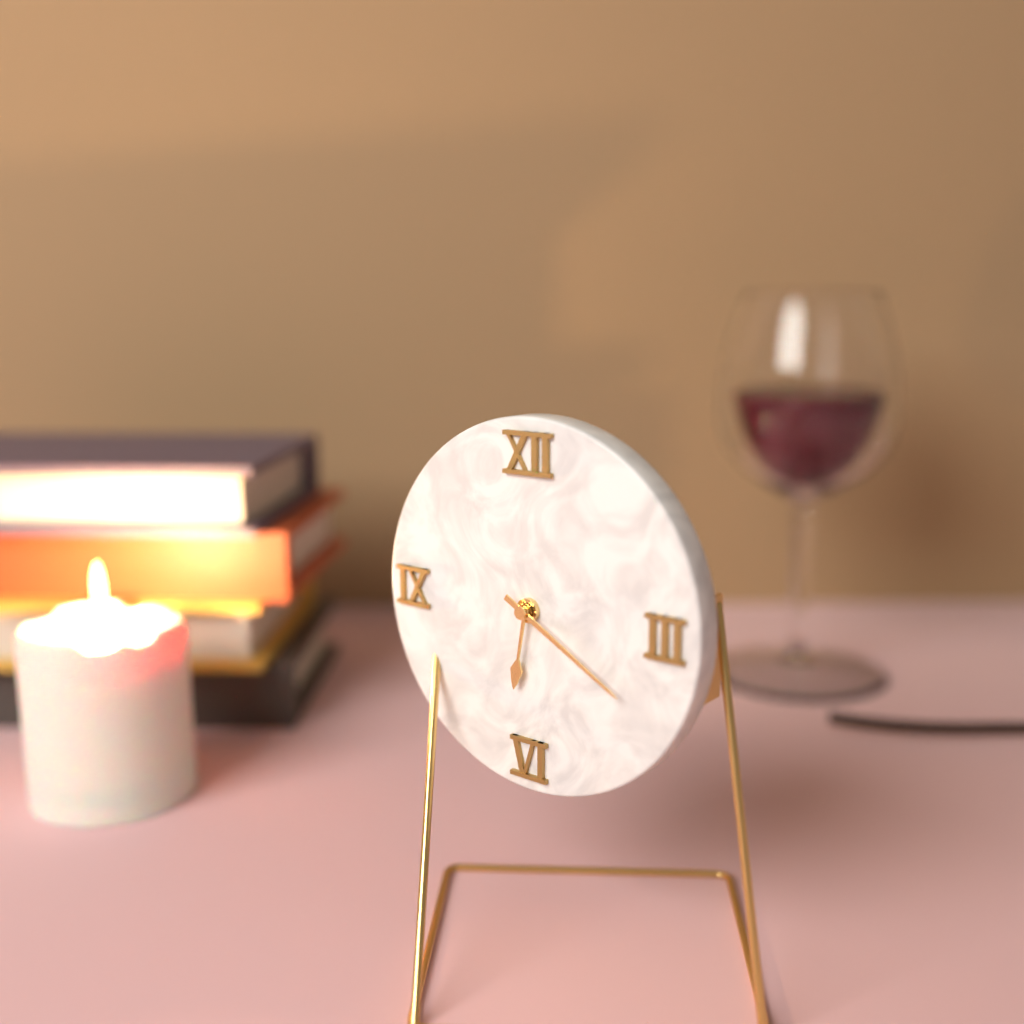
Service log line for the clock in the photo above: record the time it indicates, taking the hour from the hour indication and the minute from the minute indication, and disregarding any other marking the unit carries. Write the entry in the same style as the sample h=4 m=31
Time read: h=6 m=20
